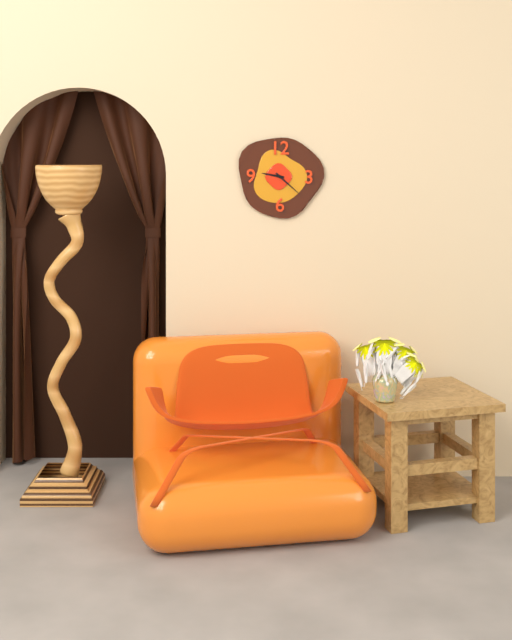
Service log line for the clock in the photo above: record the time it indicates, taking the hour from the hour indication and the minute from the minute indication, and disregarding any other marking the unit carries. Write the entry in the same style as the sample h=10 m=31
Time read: h=9 m=22
